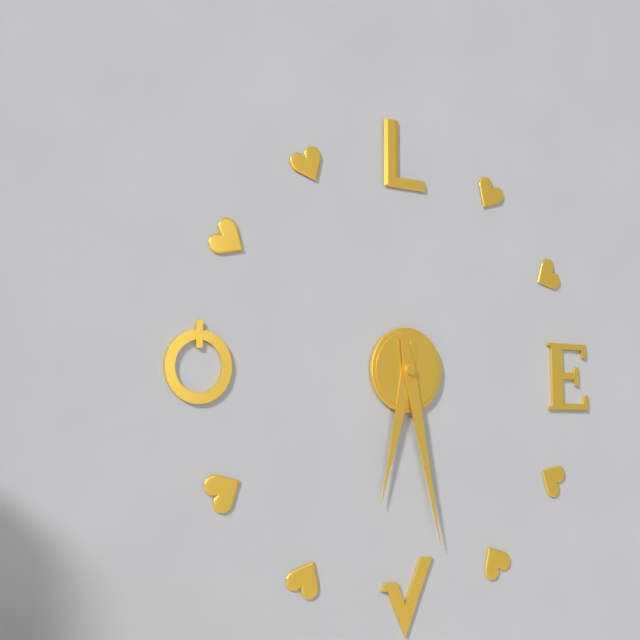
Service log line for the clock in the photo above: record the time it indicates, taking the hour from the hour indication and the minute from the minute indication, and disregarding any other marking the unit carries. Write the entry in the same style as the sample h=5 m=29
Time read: h=6 m=28
